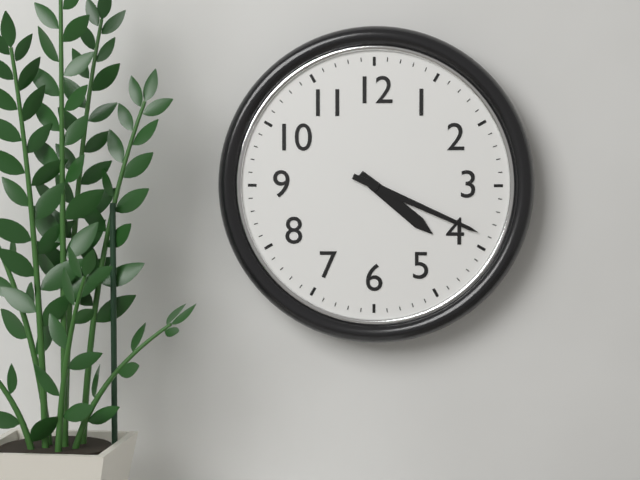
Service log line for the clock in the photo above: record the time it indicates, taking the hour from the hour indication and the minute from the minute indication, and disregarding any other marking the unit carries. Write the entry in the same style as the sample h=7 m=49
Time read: h=4 m=19
